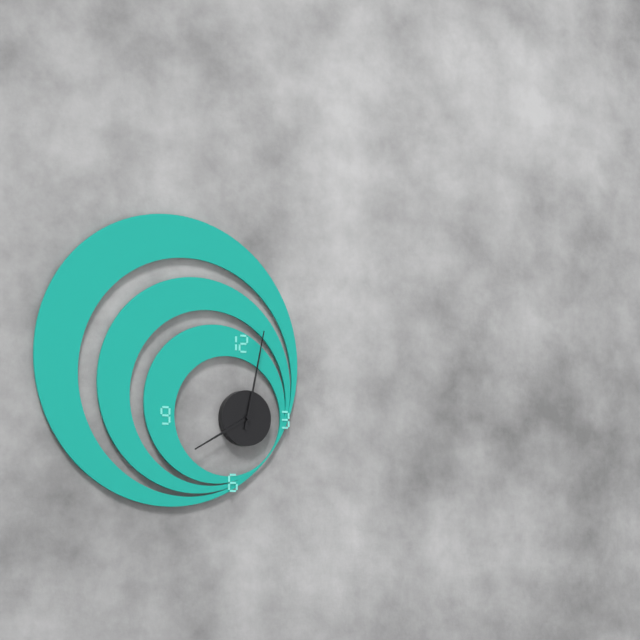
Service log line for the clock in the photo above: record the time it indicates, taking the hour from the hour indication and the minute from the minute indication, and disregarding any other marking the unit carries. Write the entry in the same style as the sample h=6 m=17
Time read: h=8 m=2
